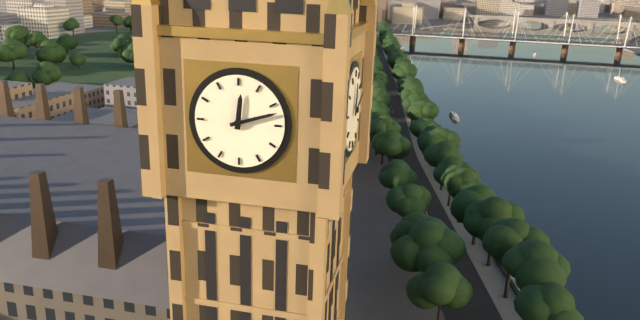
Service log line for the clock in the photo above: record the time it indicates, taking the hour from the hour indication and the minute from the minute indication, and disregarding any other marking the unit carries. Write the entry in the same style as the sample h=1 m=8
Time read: h=12 m=12
